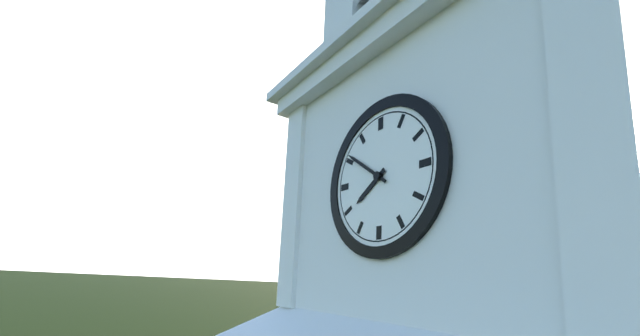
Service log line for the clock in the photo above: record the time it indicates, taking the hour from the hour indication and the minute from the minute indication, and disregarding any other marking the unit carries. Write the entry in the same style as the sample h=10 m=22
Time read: h=7 m=51
